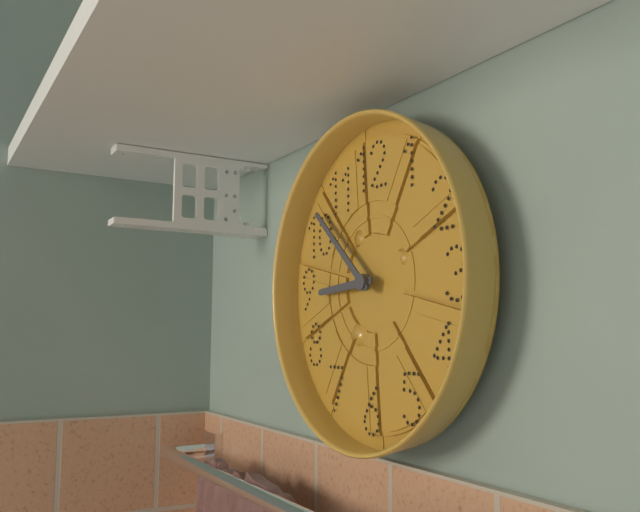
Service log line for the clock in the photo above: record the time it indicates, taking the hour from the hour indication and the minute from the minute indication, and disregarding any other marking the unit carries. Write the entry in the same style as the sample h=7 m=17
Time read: h=8 m=52
